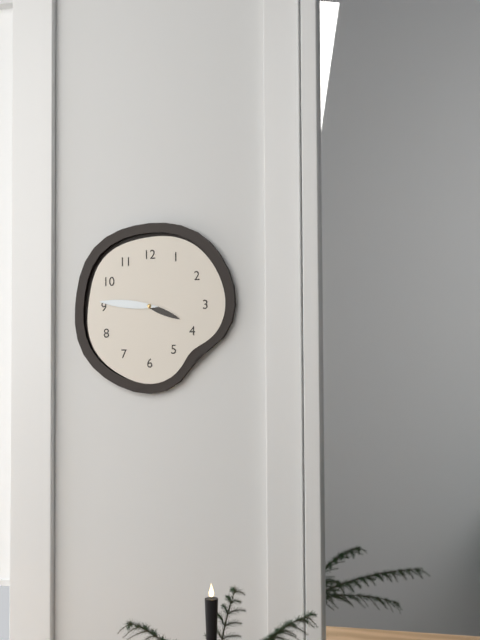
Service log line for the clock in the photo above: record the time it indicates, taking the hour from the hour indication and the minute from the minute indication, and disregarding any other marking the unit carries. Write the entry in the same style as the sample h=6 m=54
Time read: h=3 m=46
